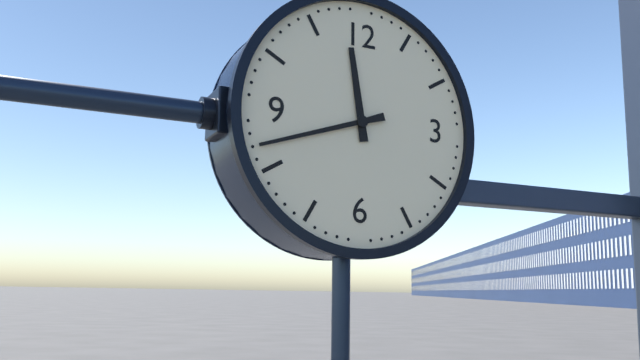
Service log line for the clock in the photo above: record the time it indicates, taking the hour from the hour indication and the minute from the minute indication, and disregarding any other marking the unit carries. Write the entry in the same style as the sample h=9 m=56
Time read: h=11 m=42
